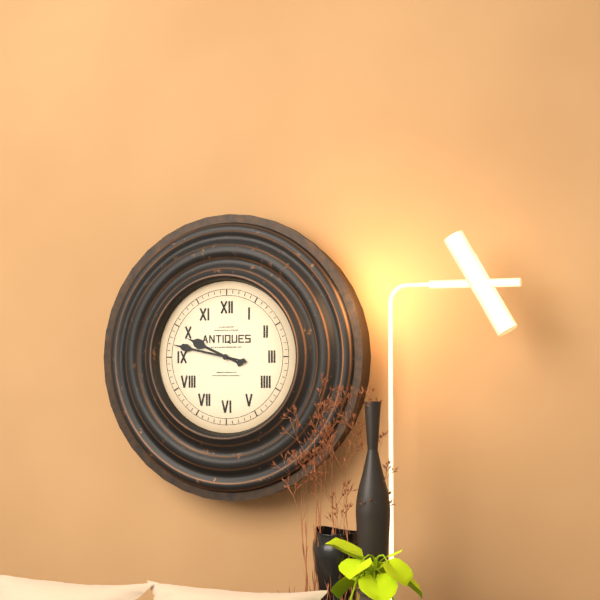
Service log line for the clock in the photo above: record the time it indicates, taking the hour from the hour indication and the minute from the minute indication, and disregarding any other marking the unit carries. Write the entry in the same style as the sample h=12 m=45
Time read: h=9 m=47
